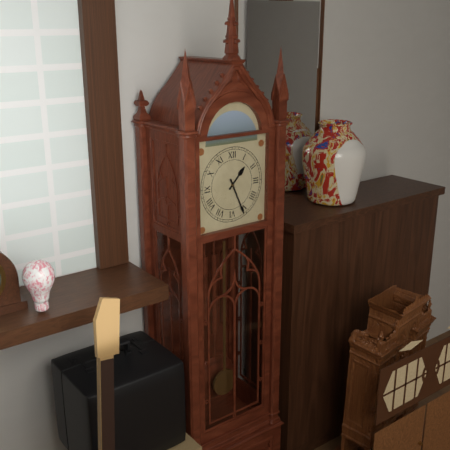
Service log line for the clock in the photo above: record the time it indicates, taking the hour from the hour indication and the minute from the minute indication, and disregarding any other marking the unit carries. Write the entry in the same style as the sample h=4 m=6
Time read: h=1 m=26
